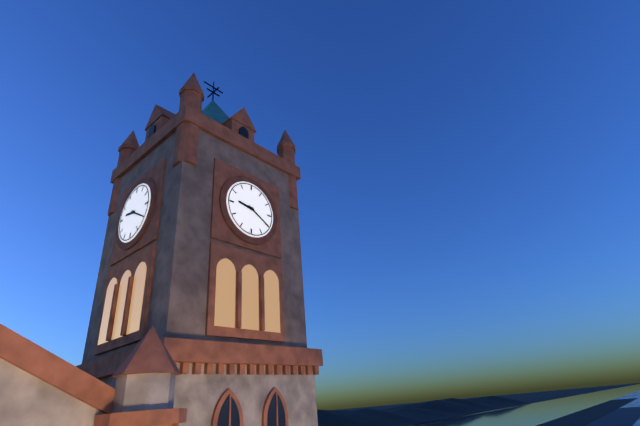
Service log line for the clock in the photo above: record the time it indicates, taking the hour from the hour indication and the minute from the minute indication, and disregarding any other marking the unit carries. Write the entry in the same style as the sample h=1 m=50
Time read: h=9 m=20
